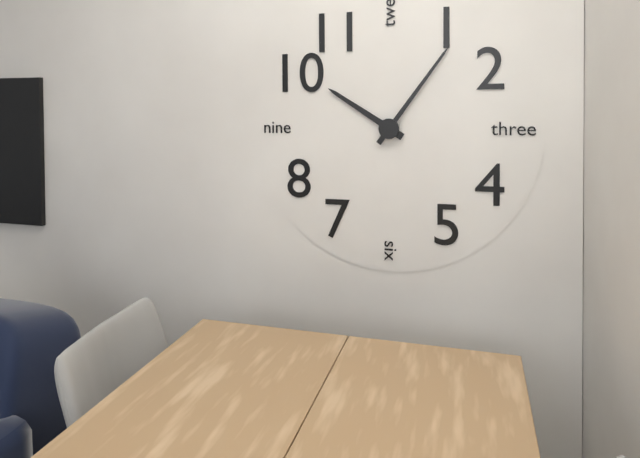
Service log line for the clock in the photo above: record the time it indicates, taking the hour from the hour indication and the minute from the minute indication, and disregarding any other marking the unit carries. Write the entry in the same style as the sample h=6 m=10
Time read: h=10 m=6
